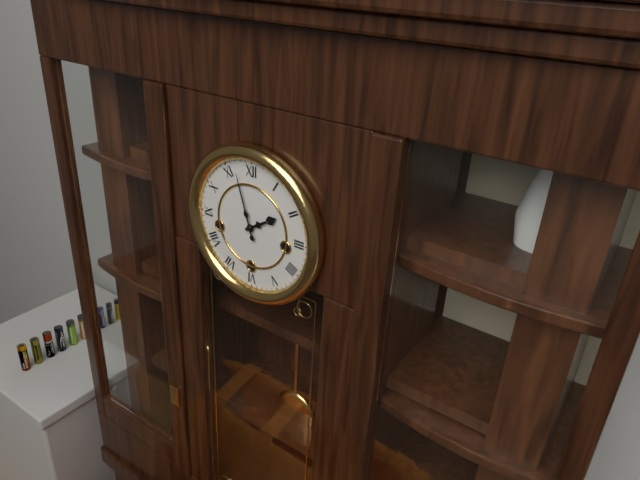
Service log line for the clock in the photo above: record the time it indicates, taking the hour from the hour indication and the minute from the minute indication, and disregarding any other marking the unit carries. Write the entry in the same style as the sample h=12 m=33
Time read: h=1 m=57
